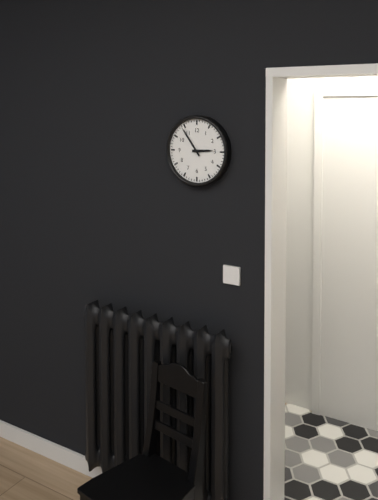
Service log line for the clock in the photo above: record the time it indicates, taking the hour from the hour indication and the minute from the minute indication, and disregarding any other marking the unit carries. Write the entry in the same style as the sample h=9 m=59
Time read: h=2 m=54
